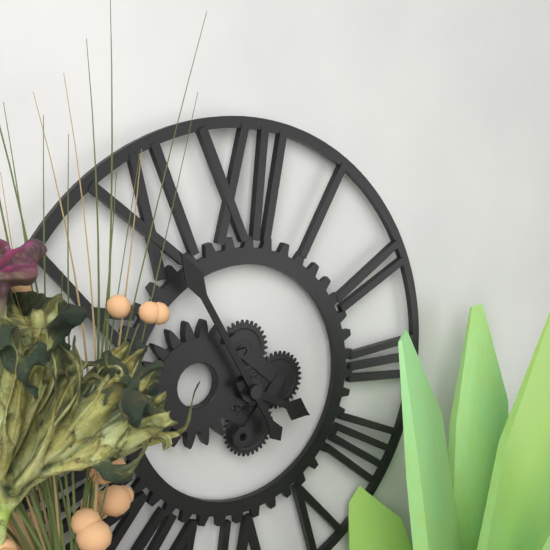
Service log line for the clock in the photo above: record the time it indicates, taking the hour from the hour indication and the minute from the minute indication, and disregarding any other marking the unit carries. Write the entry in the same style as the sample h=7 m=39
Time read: h=3 m=55
